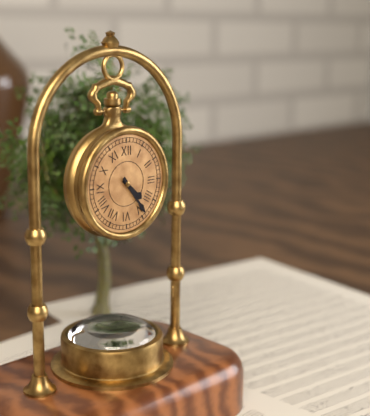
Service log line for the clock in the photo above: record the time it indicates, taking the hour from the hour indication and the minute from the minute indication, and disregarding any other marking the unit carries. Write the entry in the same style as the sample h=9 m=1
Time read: h=4 m=24
